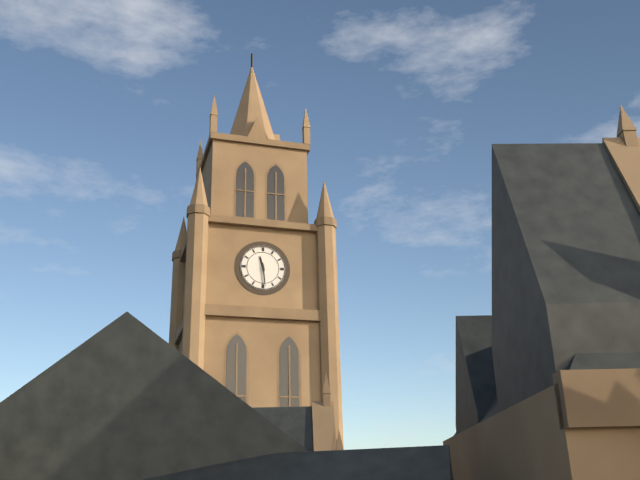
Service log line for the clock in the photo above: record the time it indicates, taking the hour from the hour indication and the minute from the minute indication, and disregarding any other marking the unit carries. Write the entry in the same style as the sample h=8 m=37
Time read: h=11 m=29
